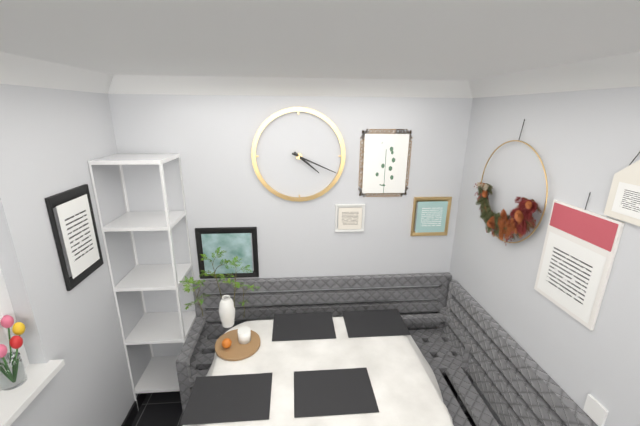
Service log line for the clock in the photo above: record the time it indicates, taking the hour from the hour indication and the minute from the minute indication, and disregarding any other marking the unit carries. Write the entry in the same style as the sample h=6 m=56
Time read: h=4 m=19
